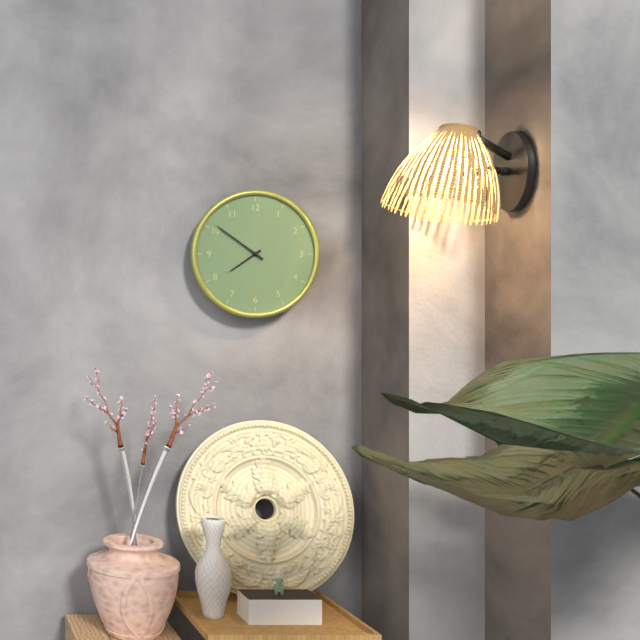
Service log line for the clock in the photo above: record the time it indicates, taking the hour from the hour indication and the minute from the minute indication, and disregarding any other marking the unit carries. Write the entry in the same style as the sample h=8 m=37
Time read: h=7 m=51
